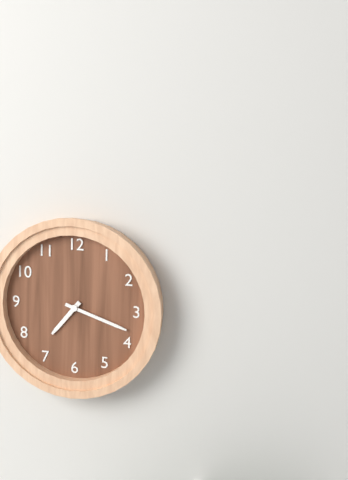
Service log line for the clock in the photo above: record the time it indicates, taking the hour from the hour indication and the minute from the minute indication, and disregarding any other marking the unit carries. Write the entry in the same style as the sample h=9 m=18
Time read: h=7 m=18
